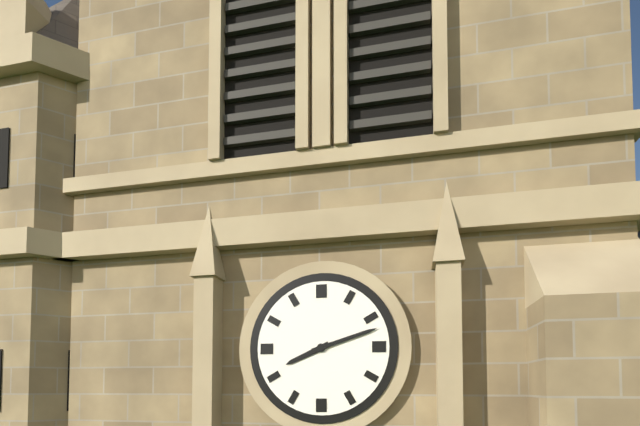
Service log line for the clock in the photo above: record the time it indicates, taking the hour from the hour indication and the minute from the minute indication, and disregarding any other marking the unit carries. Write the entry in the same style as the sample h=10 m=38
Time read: h=8 m=12
